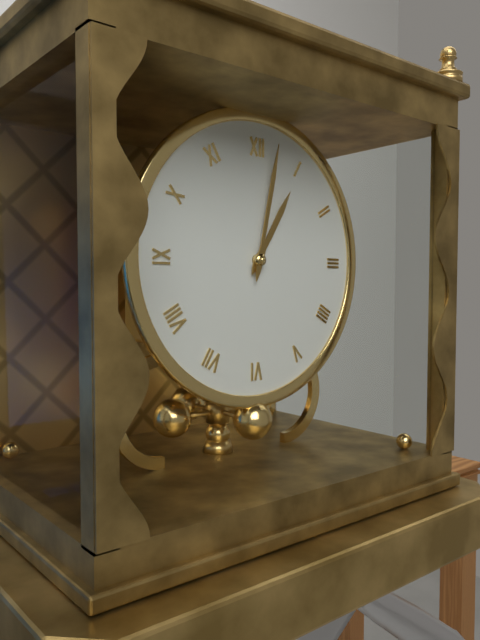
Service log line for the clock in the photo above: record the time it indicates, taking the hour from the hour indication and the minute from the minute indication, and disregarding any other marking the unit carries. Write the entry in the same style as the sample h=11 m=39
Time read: h=1 m=2
